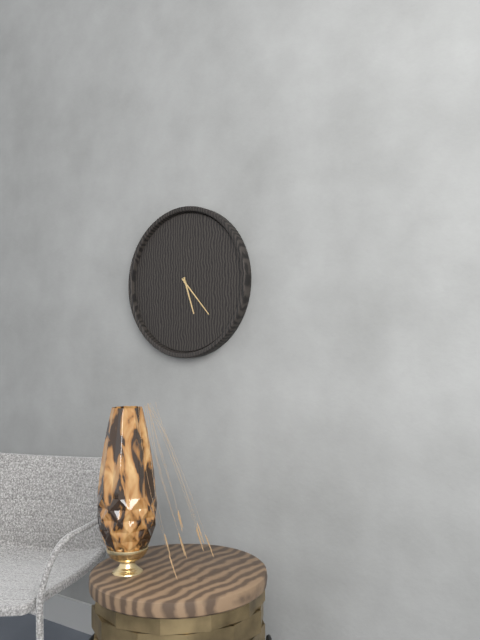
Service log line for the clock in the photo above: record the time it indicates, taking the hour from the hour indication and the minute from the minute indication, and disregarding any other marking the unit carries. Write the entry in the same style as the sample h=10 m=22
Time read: h=5 m=23
